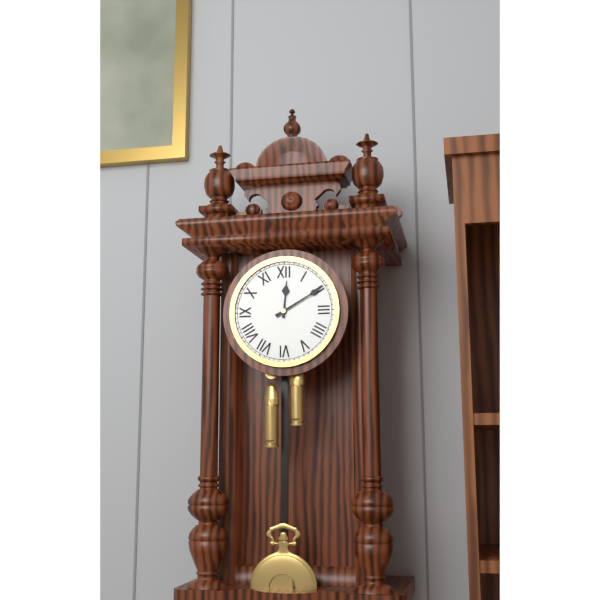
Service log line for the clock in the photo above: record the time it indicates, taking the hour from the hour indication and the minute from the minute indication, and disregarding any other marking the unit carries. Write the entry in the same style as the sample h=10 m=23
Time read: h=12 m=10
